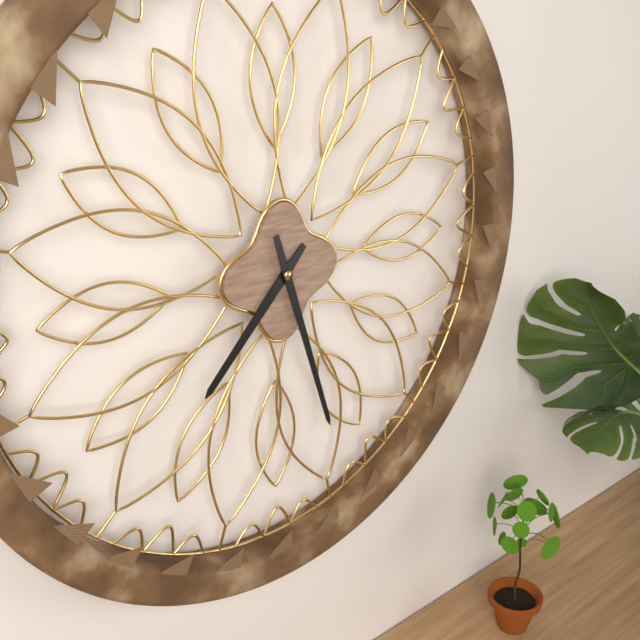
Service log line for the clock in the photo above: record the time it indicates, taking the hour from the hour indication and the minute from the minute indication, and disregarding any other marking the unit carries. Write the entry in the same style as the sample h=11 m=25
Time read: h=7 m=27
